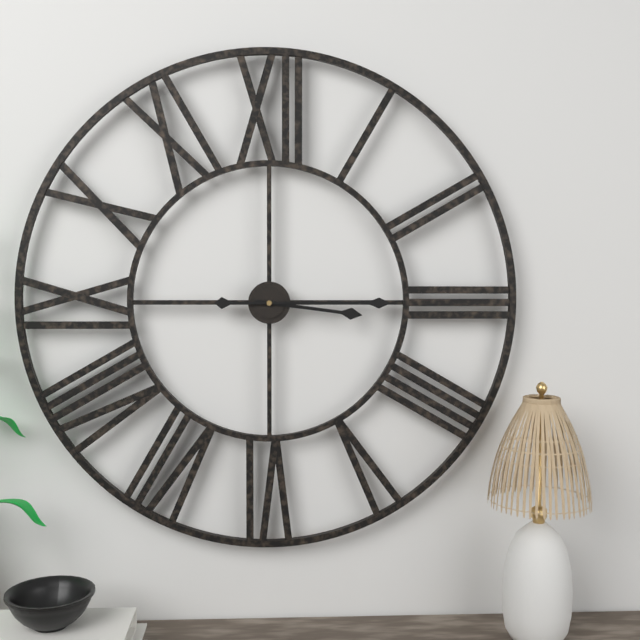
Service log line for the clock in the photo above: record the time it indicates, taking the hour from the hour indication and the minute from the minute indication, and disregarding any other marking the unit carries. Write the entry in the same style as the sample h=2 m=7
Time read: h=3 m=15
